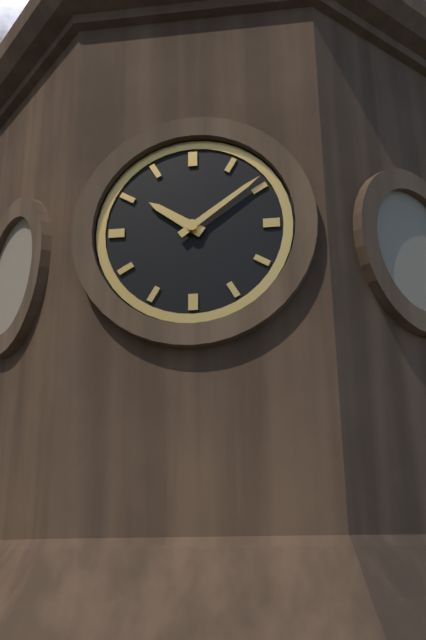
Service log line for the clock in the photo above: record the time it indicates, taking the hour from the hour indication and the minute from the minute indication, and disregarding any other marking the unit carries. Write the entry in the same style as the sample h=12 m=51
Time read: h=10 m=9
